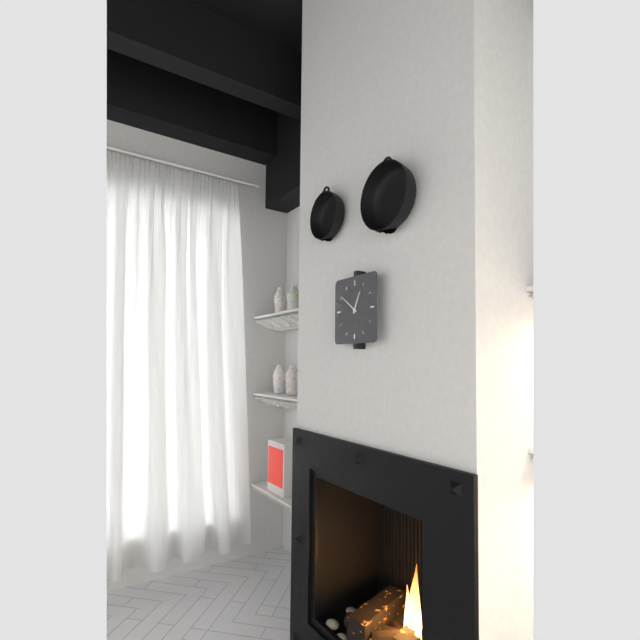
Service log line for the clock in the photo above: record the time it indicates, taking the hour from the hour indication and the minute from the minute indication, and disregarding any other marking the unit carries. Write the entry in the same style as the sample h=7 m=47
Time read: h=12 m=51
